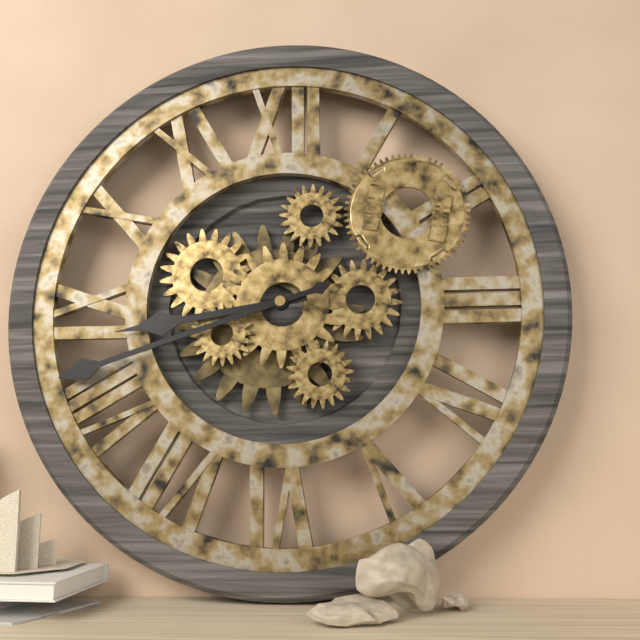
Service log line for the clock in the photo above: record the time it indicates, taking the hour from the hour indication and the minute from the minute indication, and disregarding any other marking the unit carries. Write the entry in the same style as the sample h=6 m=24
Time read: h=8 m=42
